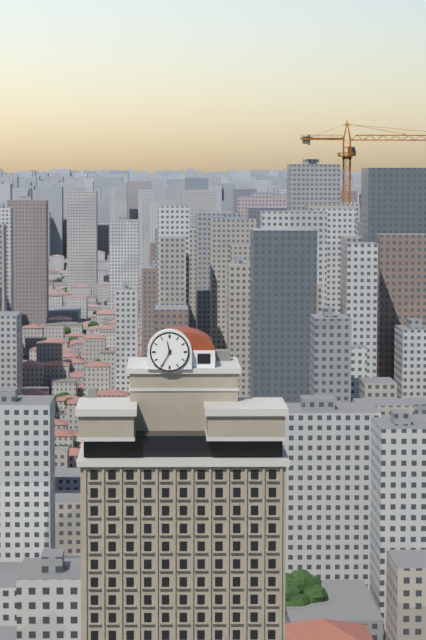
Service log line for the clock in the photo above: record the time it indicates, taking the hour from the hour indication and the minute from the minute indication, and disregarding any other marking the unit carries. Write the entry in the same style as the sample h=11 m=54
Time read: h=11 m=35
